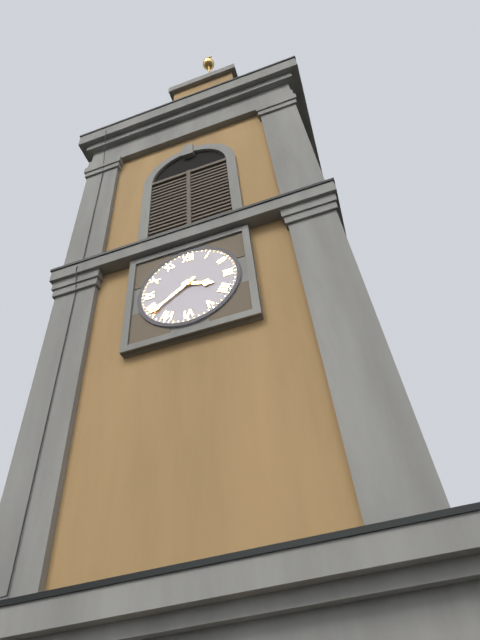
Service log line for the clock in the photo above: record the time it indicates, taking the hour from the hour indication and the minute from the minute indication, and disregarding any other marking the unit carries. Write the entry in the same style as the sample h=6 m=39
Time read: h=3 m=39
